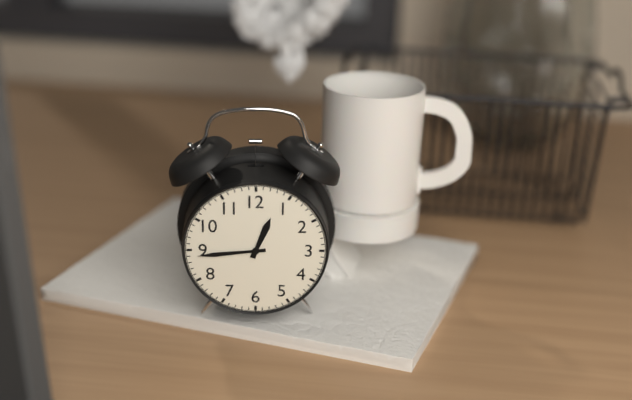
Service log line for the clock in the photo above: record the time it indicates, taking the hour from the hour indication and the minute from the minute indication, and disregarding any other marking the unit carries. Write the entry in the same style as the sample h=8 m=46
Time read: h=12 m=44
